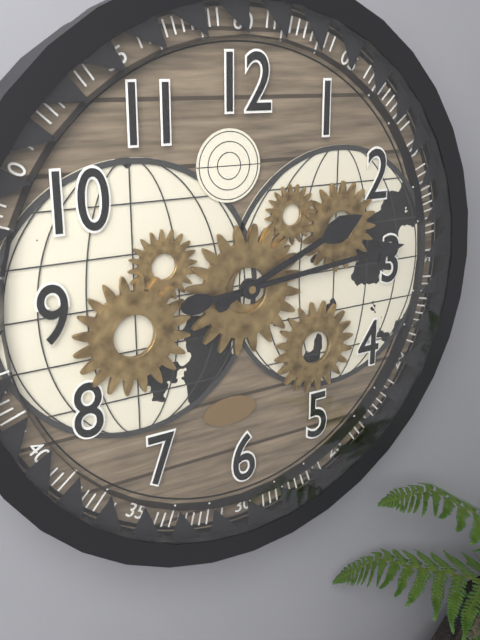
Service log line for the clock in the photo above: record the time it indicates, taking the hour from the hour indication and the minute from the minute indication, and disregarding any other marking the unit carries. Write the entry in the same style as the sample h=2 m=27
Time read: h=2 m=14
